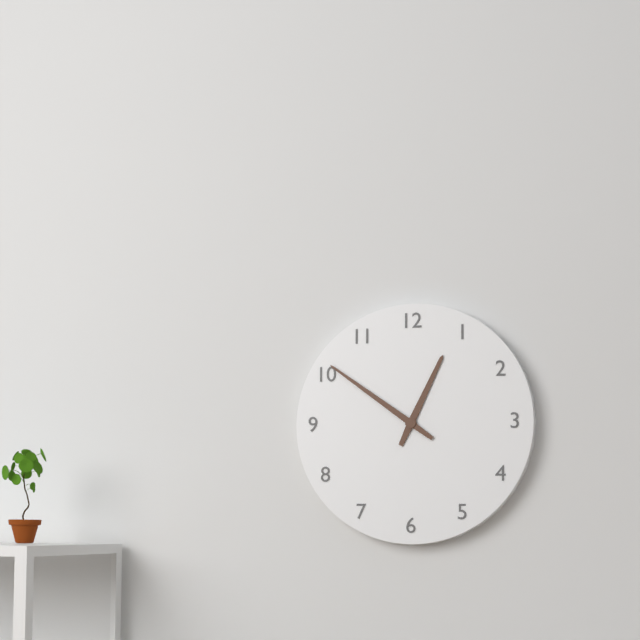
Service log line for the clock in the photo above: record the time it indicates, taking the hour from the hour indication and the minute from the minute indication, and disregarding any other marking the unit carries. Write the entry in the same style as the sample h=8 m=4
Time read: h=12 m=51
